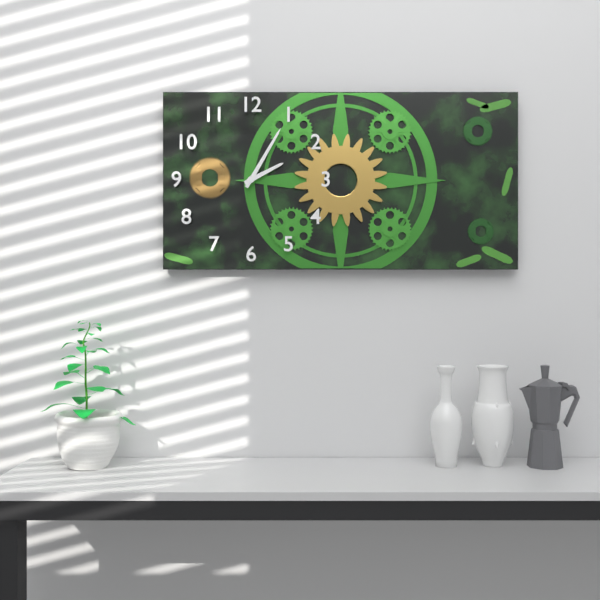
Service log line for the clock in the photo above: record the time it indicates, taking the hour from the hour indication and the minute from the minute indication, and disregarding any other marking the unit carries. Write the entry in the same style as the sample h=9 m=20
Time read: h=2 m=5
